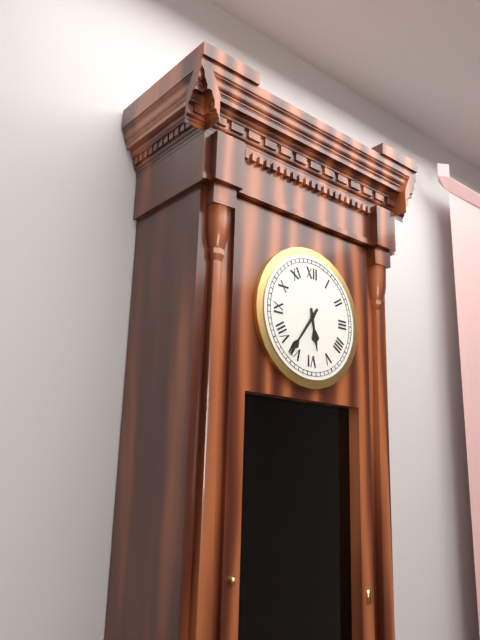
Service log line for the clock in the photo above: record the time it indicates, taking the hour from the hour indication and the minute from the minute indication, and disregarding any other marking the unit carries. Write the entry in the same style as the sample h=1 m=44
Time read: h=5 m=36
